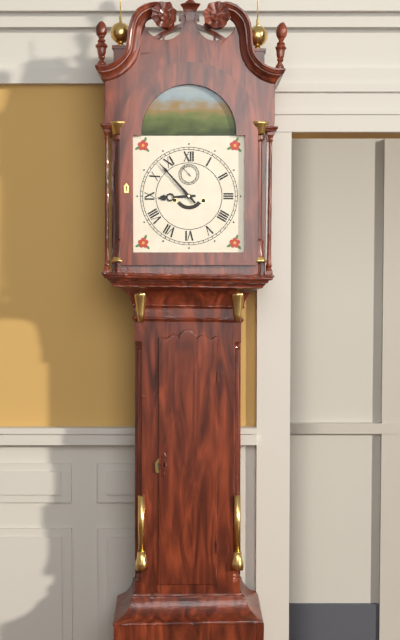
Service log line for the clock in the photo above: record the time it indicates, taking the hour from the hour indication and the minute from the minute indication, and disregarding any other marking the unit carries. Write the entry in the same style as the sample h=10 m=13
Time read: h=8 m=53
